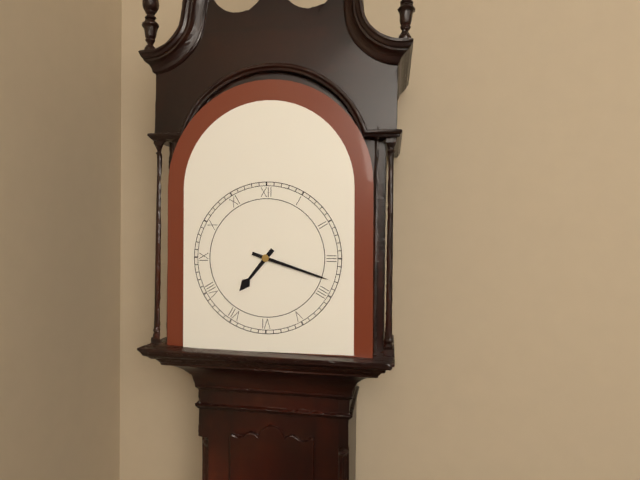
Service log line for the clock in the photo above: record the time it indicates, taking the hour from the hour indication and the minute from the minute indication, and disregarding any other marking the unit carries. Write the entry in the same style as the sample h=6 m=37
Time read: h=7 m=18
